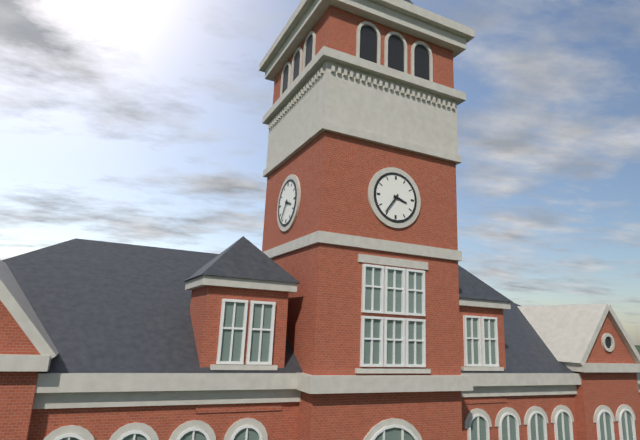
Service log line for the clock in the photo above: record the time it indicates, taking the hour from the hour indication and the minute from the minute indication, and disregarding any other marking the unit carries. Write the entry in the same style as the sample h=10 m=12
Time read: h=3 m=36
